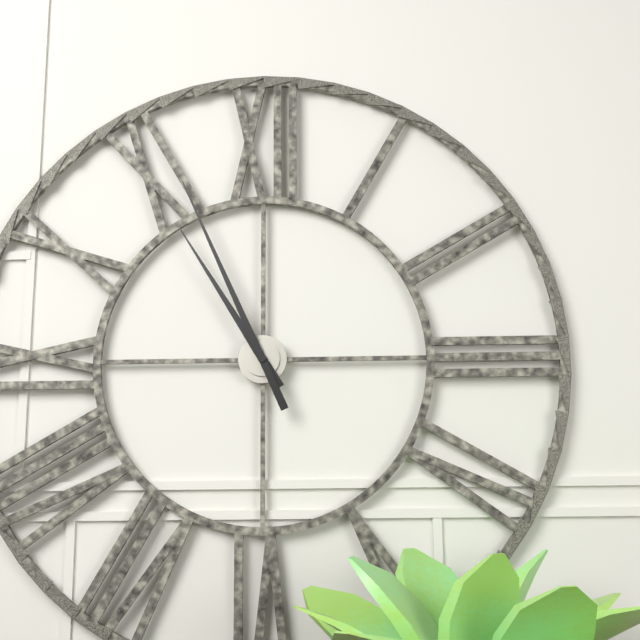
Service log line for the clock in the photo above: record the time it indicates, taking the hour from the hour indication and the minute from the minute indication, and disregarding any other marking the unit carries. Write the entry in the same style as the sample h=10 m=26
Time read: h=10 m=56
